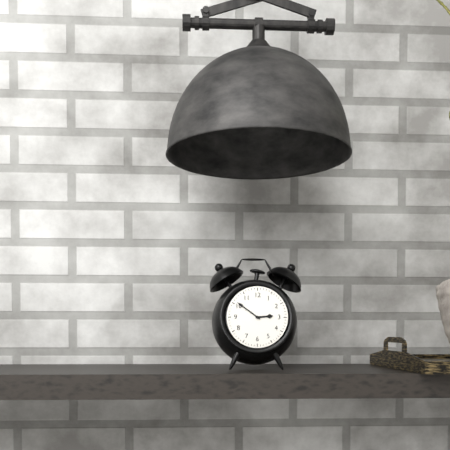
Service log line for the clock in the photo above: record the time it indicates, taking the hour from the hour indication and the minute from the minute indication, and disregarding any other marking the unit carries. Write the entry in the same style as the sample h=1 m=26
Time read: h=2 m=51
